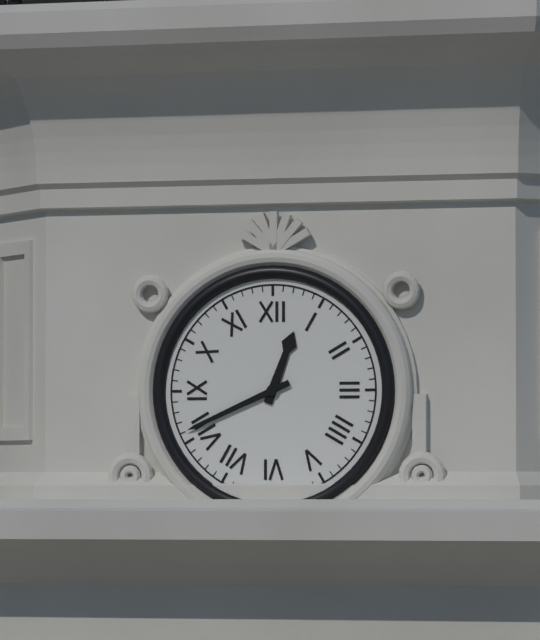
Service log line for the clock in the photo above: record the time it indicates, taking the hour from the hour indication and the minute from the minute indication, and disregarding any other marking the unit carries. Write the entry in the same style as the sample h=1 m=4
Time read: h=12 m=41
